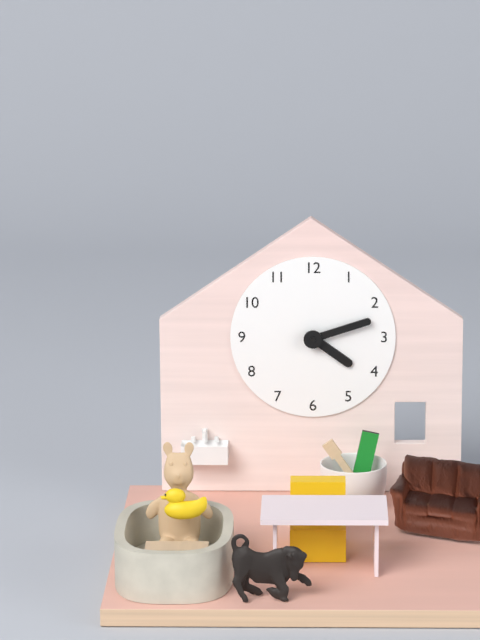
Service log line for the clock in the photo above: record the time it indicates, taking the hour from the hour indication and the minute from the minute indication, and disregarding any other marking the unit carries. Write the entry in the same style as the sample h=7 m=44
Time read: h=4 m=12
